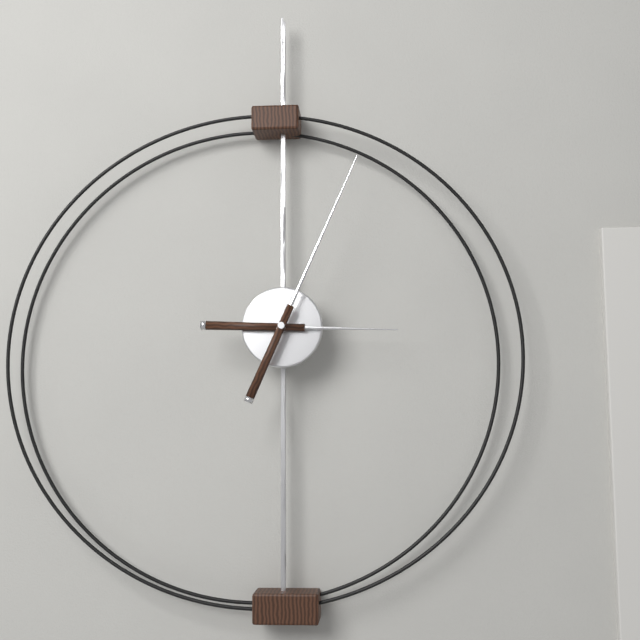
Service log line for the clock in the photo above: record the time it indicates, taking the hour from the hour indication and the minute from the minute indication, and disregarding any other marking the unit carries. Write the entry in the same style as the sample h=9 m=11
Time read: h=3 m=4
